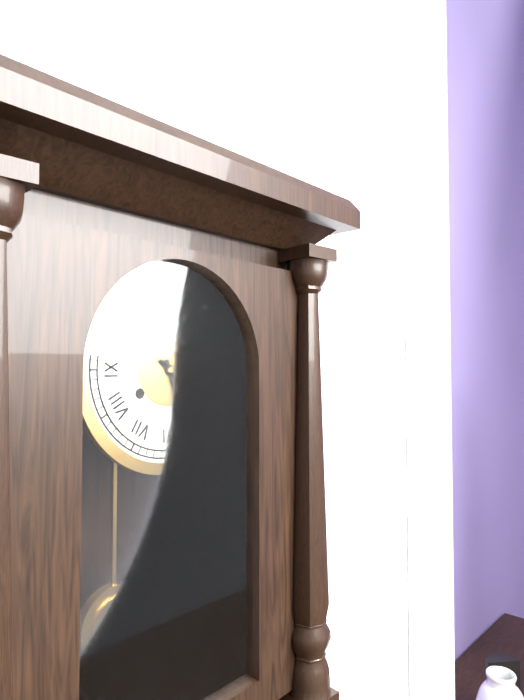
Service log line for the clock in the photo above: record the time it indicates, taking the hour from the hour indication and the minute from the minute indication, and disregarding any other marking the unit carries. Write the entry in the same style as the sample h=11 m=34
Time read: h=5 m=21
